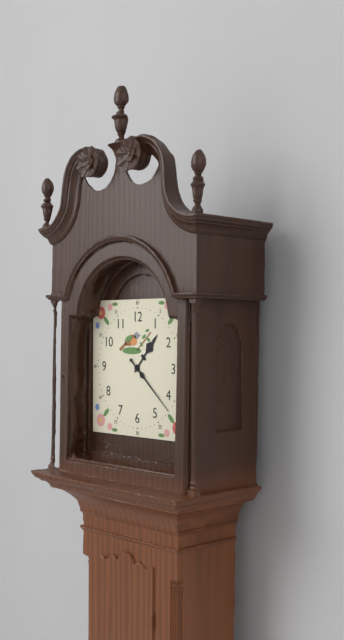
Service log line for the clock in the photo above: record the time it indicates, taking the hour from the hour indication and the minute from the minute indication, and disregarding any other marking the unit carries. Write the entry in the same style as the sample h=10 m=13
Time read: h=1 m=22
